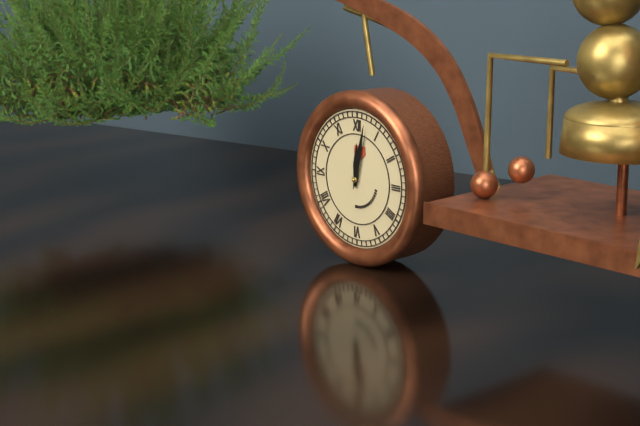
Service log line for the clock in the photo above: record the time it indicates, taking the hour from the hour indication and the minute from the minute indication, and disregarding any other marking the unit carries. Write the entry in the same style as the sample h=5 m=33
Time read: h=12 m=2
